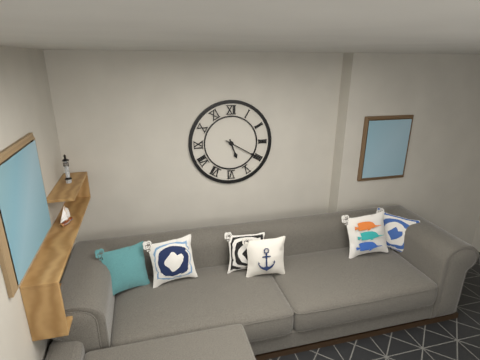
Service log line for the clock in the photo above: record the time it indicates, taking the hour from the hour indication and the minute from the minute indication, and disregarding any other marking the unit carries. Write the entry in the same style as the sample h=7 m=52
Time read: h=5 m=20
